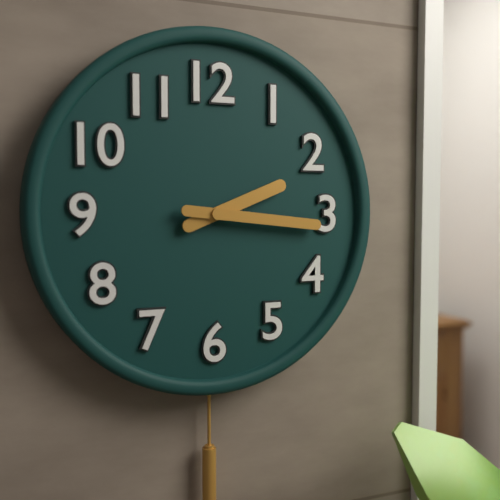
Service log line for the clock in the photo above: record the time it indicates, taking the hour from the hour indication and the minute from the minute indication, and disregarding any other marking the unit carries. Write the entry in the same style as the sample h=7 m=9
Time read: h=2 m=16
